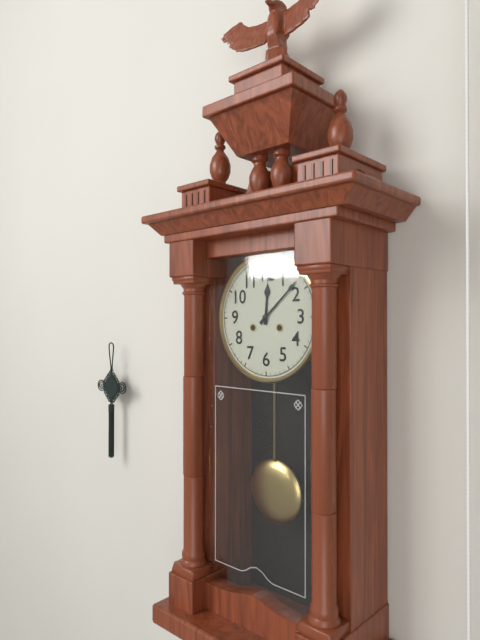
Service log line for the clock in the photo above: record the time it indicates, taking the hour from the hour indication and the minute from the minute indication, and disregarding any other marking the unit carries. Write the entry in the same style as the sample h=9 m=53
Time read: h=12 m=8
